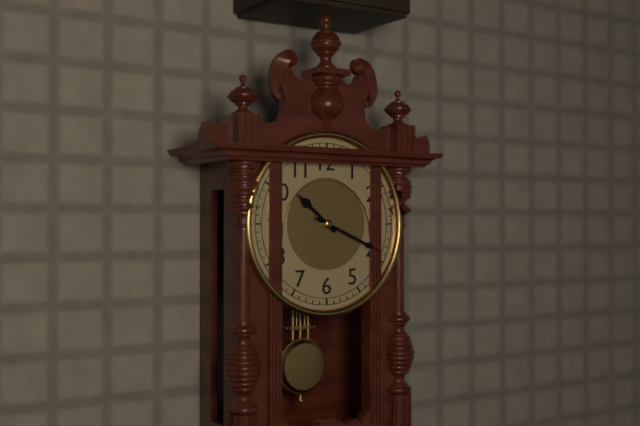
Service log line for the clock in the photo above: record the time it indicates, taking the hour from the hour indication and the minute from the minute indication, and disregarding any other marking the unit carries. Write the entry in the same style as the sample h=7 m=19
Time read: h=10 m=19
